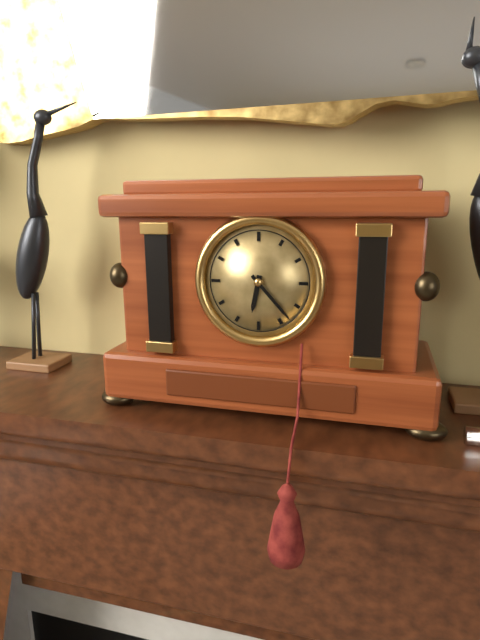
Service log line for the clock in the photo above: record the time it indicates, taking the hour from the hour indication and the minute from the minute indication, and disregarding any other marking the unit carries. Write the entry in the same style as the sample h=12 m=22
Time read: h=6 m=23
